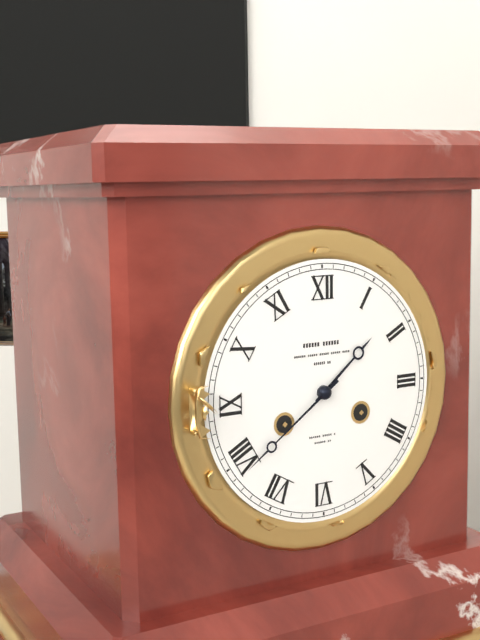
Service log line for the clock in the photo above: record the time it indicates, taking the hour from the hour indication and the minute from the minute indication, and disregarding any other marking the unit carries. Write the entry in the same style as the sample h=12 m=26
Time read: h=1 m=39
